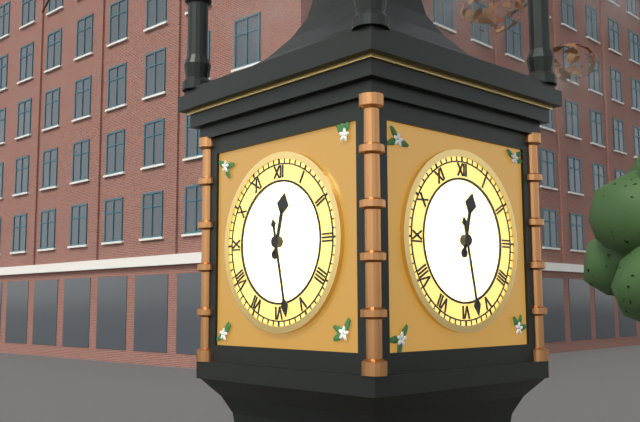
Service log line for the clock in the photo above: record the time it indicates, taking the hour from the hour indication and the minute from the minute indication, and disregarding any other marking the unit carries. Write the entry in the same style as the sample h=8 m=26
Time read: h=12 m=28
